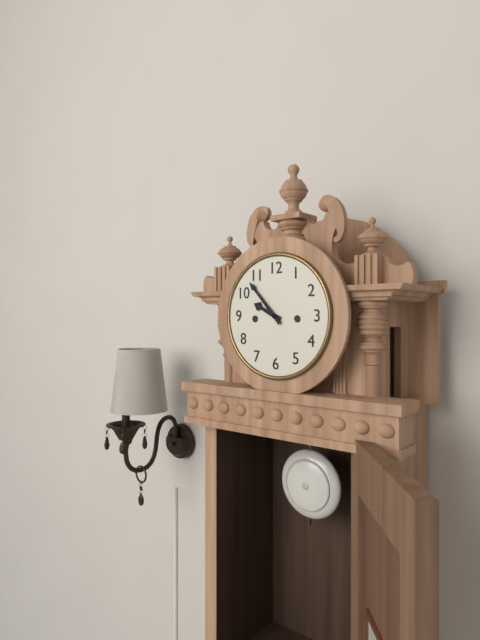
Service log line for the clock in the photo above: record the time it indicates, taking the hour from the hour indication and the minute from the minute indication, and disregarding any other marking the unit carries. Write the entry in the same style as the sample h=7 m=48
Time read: h=9 m=53
